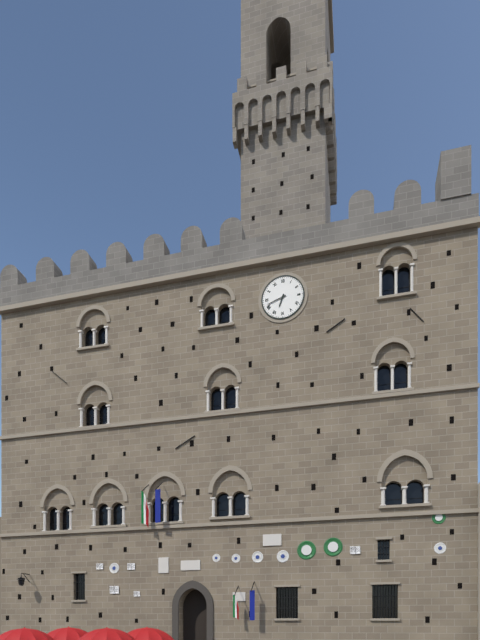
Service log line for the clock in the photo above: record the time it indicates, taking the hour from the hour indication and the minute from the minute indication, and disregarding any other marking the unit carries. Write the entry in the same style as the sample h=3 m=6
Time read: h=6 m=42
